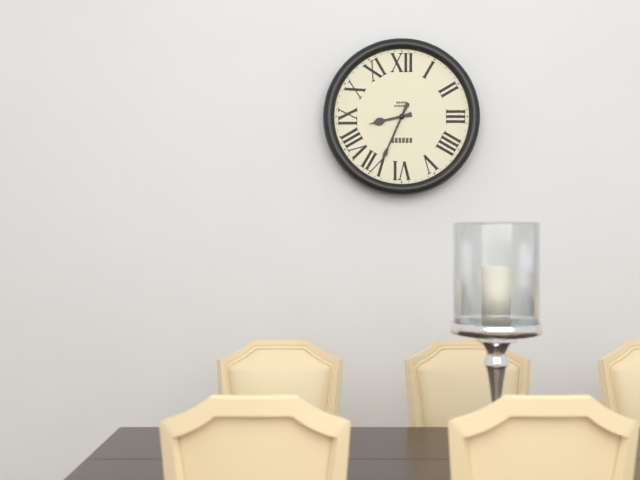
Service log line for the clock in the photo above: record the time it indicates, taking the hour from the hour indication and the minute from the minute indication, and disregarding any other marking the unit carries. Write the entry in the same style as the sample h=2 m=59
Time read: h=8 m=34
